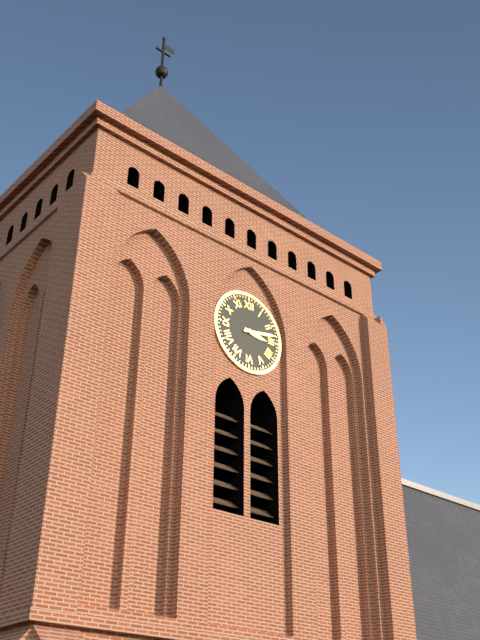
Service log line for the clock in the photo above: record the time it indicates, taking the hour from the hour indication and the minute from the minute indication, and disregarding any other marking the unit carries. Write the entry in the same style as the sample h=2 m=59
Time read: h=3 m=13
